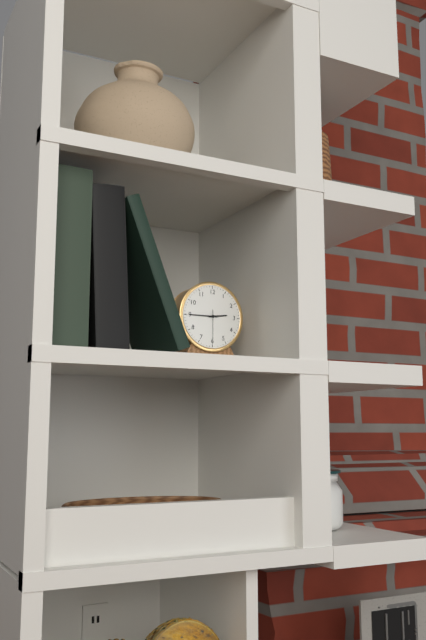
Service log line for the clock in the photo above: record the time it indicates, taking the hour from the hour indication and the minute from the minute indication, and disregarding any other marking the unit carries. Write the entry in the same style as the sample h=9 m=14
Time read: h=2 m=45
